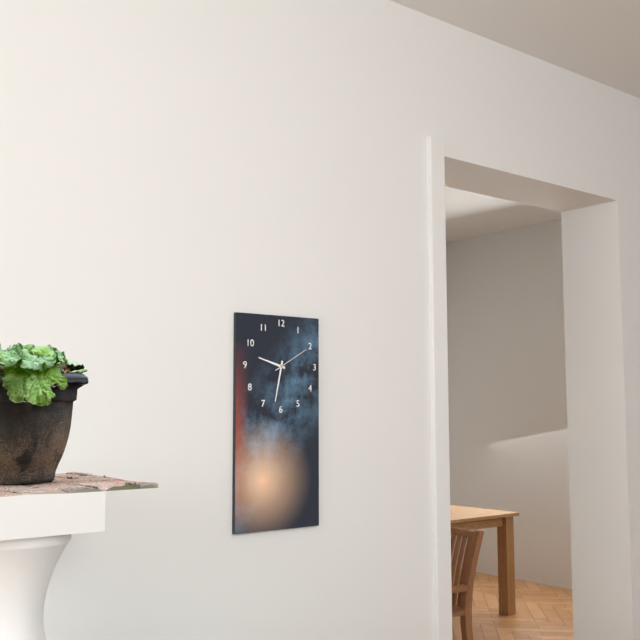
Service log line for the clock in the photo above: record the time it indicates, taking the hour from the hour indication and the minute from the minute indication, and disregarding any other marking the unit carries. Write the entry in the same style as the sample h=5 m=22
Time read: h=9 m=32
